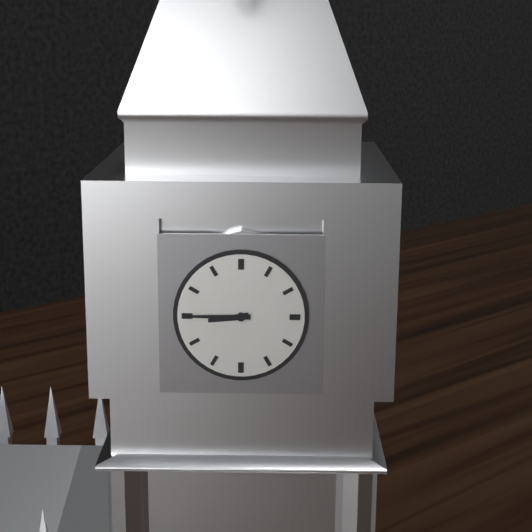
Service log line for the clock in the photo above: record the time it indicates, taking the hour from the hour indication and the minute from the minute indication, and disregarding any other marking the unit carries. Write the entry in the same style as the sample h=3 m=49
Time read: h=8 m=45
